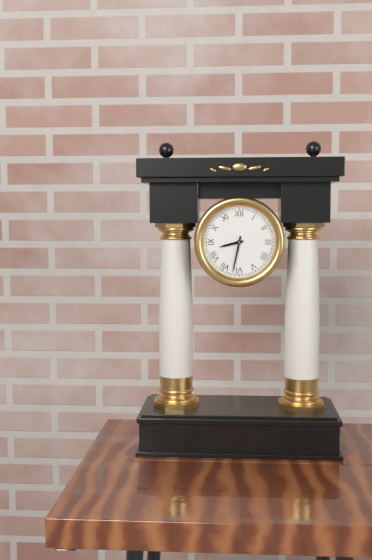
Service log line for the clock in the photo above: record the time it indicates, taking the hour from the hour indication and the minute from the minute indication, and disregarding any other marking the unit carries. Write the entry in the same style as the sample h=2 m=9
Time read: h=8 m=32
